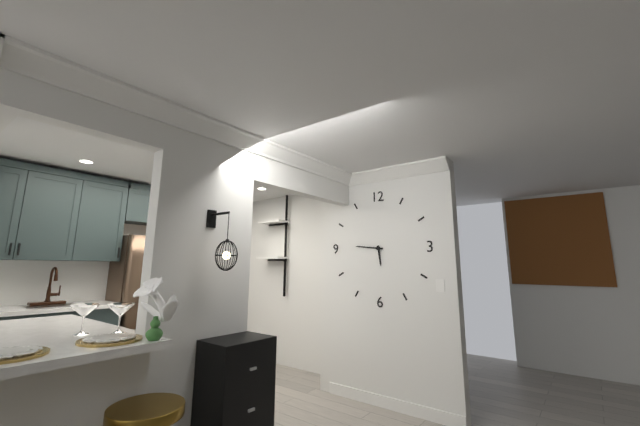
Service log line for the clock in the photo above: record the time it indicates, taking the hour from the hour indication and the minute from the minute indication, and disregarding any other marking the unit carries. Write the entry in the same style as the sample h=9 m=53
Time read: h=5 m=46
